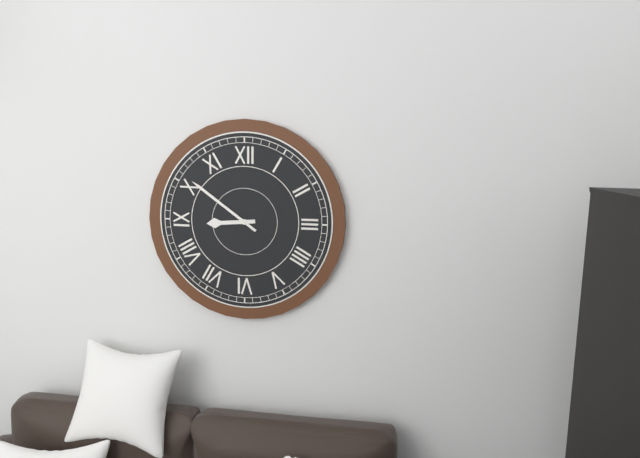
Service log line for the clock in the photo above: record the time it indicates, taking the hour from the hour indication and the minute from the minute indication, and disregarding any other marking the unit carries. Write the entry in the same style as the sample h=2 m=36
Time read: h=8 m=51
